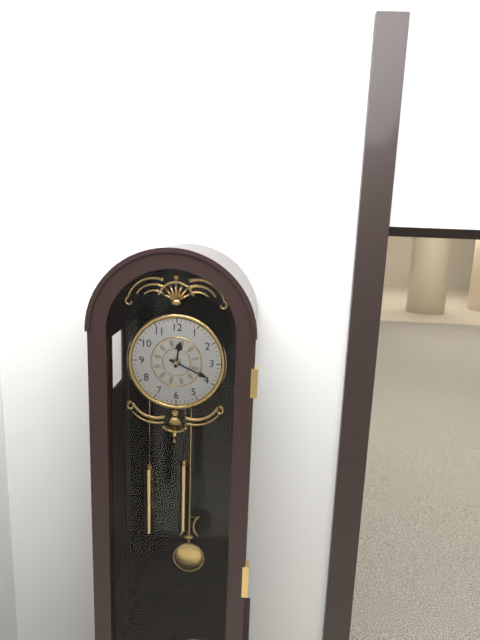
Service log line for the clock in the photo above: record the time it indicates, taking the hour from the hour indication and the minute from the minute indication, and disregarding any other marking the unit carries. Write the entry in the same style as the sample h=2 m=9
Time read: h=12 m=19
